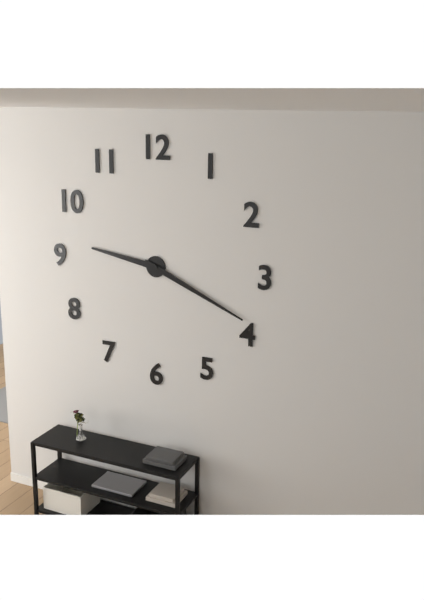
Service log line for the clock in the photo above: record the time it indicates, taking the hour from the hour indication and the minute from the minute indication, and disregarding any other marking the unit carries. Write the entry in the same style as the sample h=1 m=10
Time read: h=9 m=19
